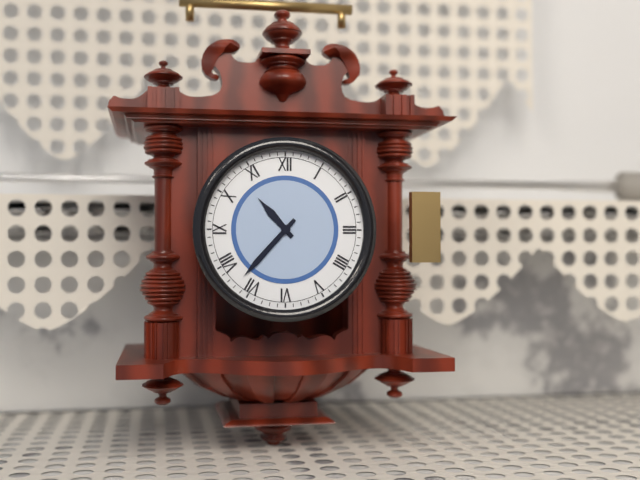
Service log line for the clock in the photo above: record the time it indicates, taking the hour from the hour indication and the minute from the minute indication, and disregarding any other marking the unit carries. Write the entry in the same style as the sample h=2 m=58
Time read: h=10 m=37
